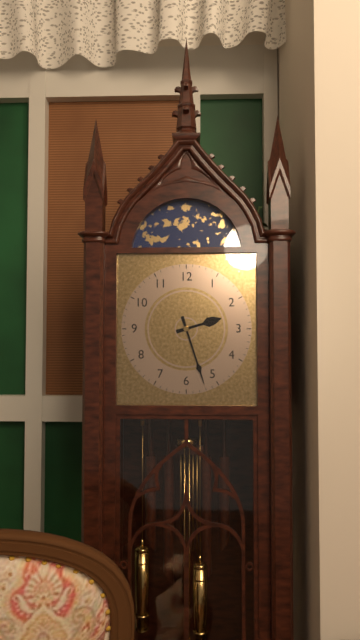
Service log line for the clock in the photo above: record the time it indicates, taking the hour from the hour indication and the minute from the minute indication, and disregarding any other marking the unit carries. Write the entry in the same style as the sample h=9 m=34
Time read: h=2 m=27
